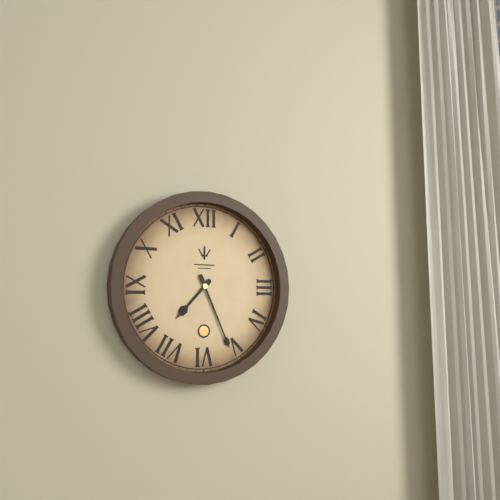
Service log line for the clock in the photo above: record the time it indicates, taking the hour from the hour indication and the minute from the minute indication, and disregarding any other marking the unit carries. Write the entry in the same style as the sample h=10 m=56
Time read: h=7 m=26
